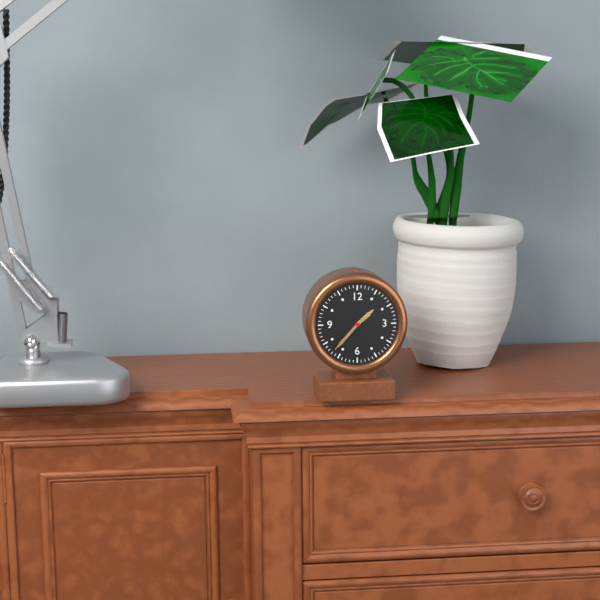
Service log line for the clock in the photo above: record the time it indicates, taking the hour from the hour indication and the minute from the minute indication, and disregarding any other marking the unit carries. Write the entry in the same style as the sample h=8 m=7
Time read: h=1 m=37
